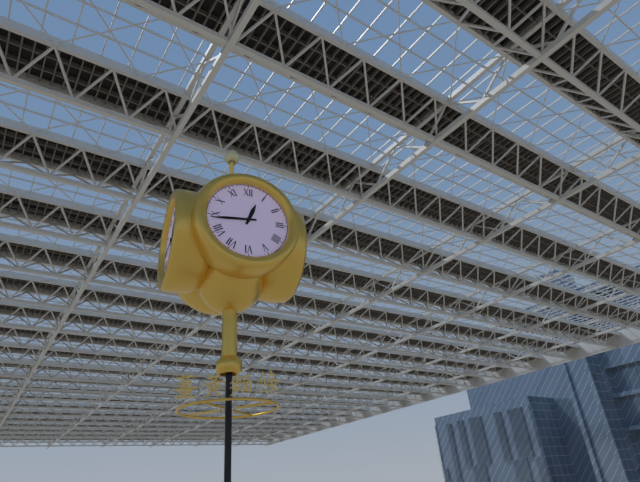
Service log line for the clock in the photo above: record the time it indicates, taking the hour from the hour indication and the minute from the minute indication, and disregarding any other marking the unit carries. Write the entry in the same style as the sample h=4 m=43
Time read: h=12 m=44
